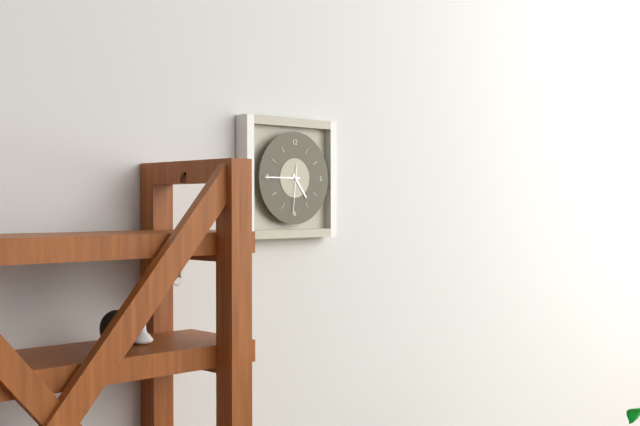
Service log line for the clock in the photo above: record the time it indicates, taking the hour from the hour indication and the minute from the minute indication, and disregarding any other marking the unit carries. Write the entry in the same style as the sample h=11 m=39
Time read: h=4 m=45
